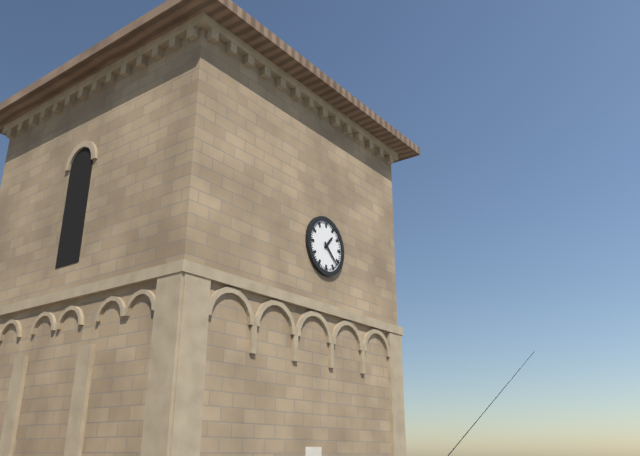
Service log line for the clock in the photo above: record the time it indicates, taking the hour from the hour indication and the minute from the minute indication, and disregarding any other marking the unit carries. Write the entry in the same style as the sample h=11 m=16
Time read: h=1 m=22
